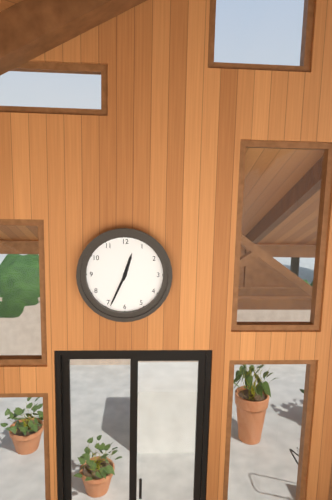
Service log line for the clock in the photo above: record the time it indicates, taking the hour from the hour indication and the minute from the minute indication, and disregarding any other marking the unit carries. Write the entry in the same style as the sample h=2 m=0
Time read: h=12 m=34
